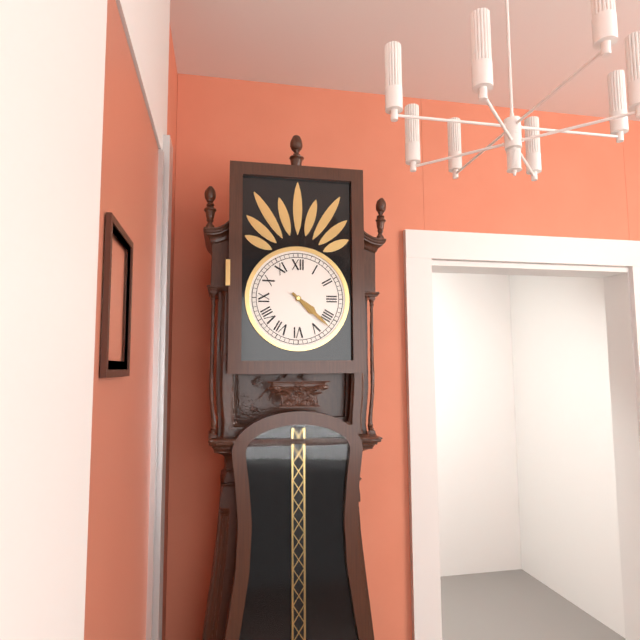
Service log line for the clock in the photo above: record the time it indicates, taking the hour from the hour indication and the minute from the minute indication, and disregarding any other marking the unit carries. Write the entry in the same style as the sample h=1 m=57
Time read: h=4 m=22
